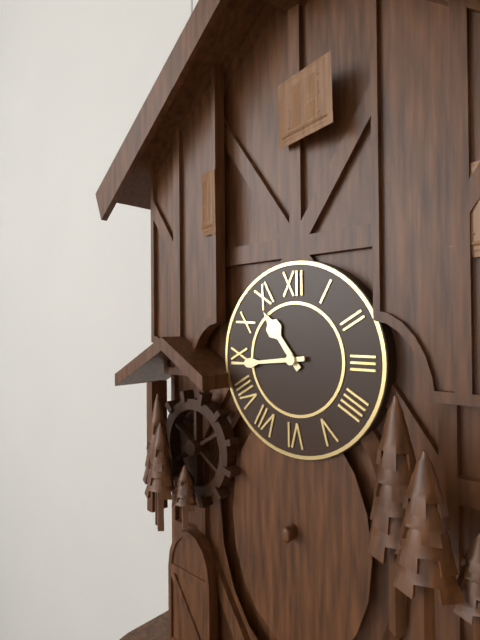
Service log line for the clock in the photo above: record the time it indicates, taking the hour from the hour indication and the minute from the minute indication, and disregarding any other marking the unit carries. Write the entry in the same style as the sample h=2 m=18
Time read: h=10 m=44
